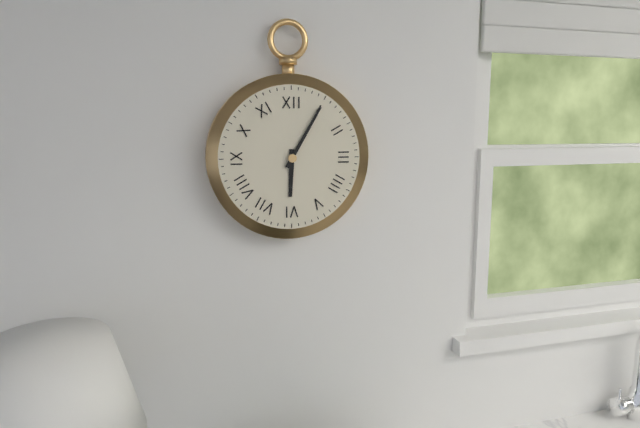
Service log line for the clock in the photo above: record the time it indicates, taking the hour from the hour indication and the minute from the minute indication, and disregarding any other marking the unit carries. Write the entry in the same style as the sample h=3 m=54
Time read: h=6 m=5
